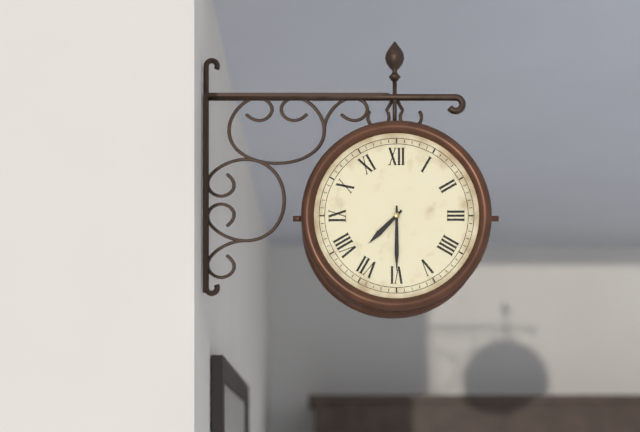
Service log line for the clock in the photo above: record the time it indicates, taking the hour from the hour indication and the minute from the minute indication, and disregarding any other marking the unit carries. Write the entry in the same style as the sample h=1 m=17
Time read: h=7 m=30
